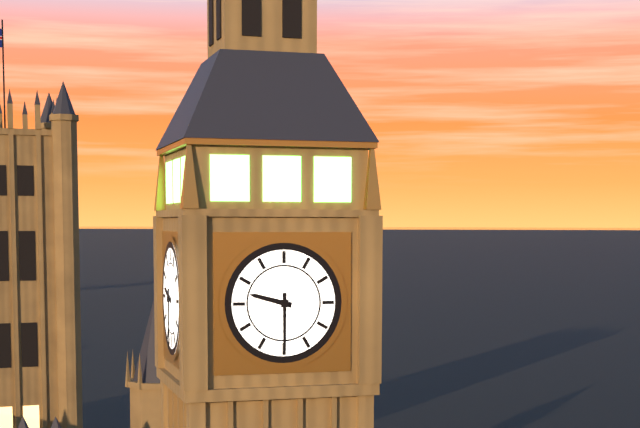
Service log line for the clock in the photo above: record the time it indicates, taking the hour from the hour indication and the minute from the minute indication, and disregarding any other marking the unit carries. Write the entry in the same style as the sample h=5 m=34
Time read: h=9 m=30
